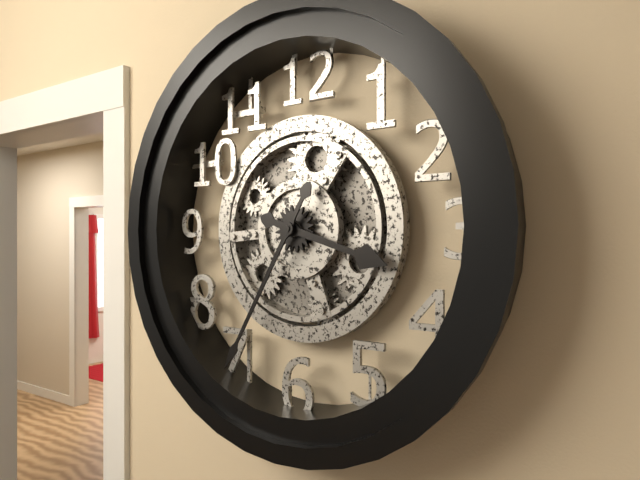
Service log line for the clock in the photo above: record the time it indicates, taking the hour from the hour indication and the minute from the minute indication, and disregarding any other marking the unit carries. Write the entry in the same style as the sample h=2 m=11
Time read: h=3 m=35
